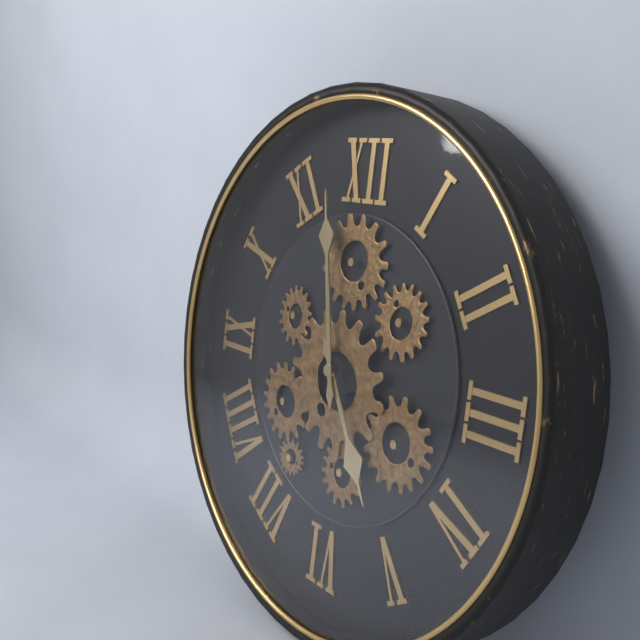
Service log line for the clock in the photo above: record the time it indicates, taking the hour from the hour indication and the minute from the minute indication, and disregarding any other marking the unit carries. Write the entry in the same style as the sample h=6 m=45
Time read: h=4 m=58
